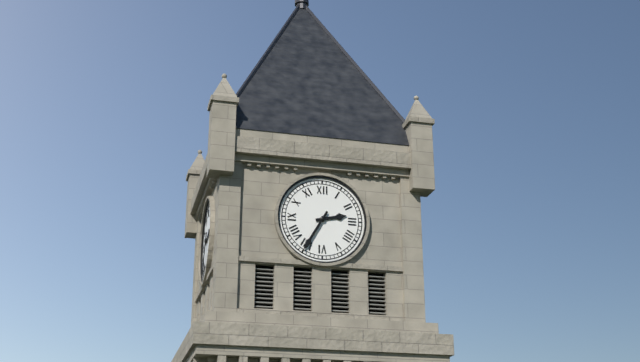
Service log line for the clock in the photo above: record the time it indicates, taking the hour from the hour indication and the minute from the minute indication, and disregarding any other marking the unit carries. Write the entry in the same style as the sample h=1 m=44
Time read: h=2 m=35
